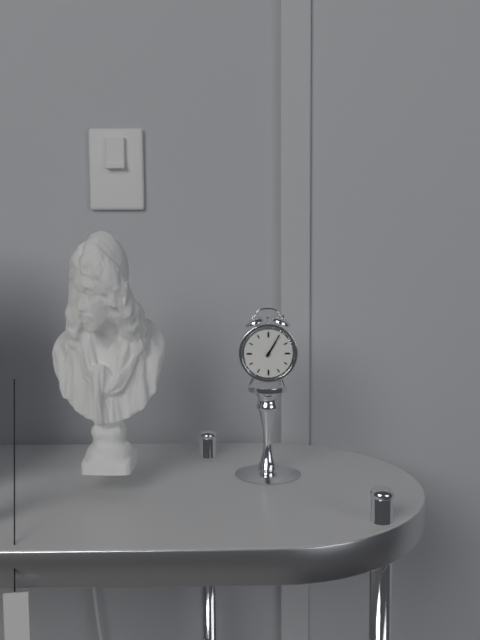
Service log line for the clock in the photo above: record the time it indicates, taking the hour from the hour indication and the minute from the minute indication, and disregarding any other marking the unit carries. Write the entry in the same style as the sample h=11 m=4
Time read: h=1 m=5
